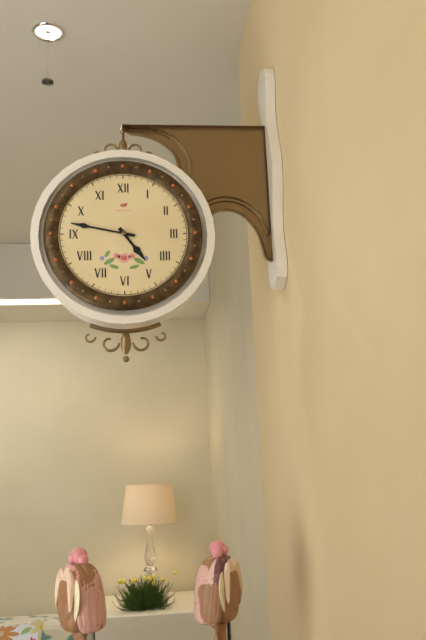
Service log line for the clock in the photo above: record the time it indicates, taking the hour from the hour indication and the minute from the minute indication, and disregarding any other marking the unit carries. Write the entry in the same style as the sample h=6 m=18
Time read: h=4 m=47
